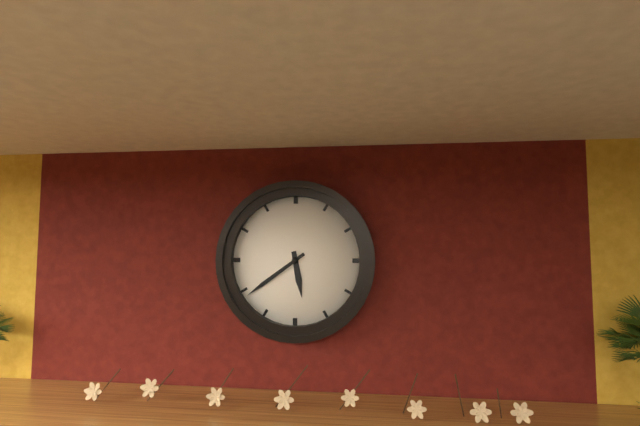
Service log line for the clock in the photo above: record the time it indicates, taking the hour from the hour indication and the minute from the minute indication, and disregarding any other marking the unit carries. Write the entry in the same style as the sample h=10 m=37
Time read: h=5 m=39
